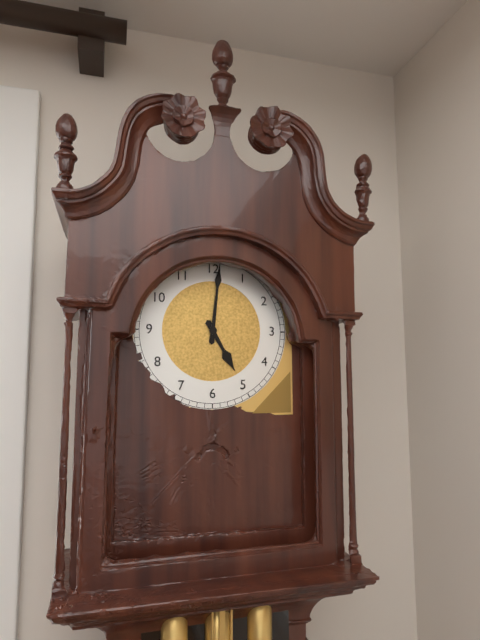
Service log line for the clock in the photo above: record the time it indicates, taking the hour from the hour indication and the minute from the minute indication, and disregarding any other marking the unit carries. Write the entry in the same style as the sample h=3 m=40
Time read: h=5 m=1
